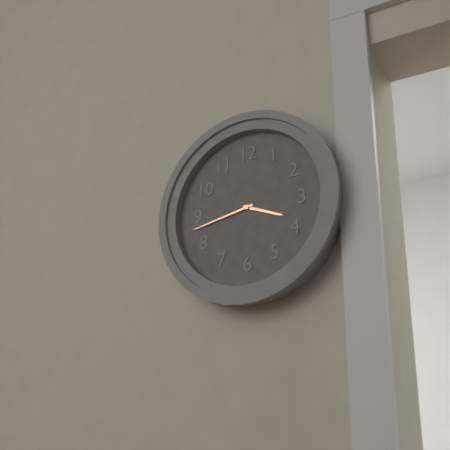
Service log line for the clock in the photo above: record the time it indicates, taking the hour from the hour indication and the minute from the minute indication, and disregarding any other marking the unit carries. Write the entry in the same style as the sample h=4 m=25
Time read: h=3 m=43
